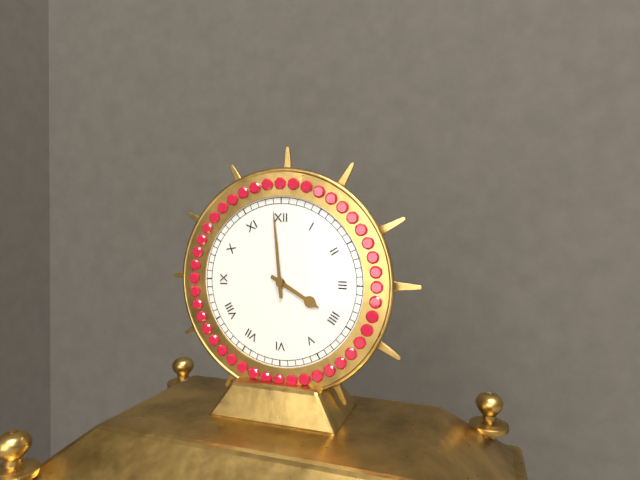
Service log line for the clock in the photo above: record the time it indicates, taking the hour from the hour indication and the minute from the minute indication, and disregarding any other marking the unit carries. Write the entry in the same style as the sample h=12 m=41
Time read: h=3 m=59
